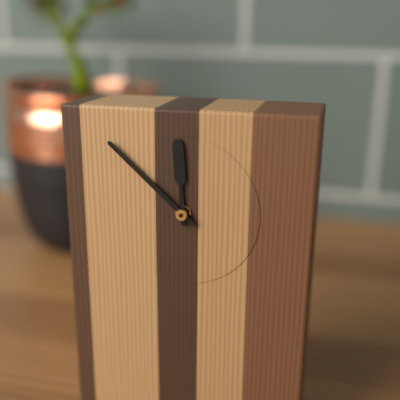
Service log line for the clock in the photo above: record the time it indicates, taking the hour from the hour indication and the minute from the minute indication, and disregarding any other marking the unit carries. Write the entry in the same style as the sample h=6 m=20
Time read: h=11 m=52
